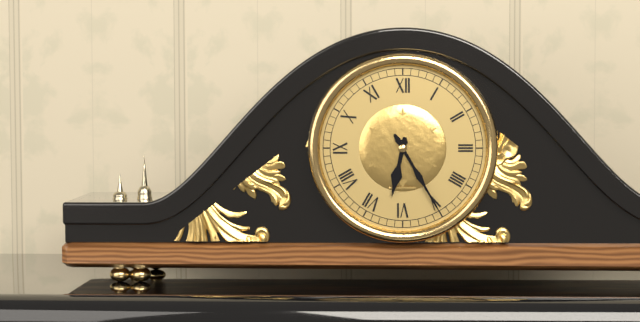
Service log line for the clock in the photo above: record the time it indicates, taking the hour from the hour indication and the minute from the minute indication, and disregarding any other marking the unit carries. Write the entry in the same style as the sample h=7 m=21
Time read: h=6 m=25
